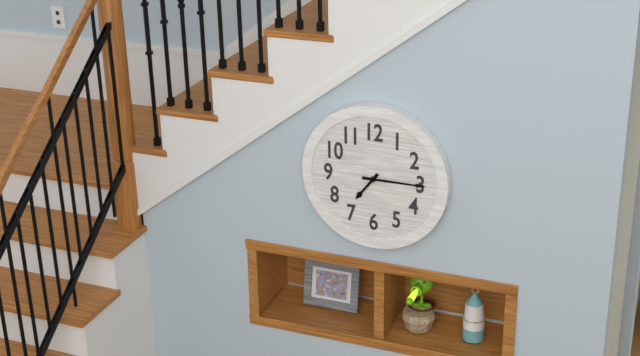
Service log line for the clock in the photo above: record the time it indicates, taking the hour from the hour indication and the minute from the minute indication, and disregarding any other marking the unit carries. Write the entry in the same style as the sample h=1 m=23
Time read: h=7 m=15
